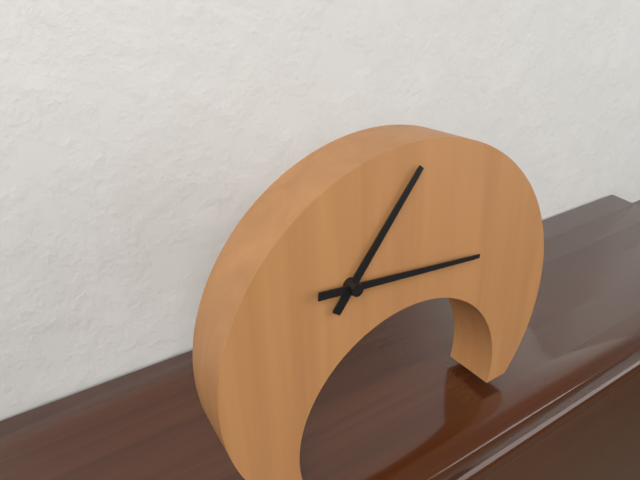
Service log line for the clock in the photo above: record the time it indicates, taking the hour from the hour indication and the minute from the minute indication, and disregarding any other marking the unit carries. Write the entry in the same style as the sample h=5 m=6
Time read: h=1 m=16
